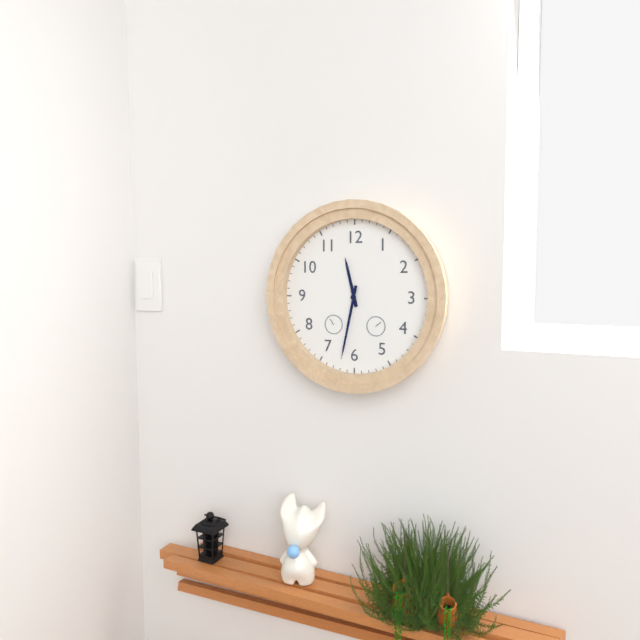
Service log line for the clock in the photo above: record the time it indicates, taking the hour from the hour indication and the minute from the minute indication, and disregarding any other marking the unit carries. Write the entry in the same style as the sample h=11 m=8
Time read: h=11 m=32
